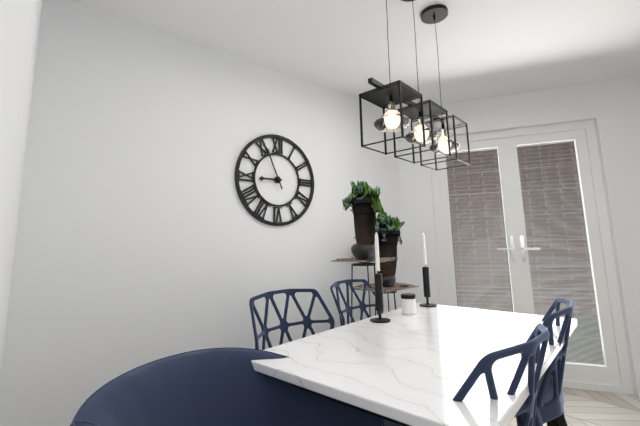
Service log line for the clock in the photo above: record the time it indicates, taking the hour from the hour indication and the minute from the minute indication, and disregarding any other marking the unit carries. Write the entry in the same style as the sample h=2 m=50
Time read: h=8 m=56
